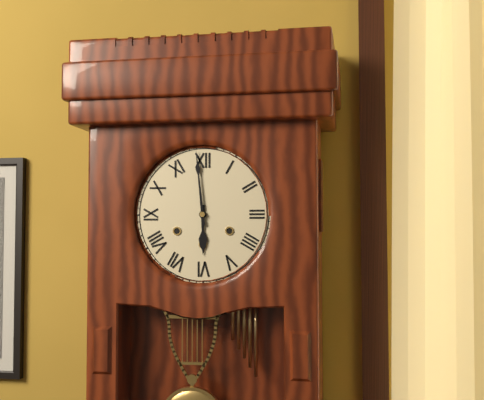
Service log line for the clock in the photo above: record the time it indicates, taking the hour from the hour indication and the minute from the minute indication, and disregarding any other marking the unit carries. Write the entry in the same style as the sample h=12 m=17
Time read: h=5 m=59
